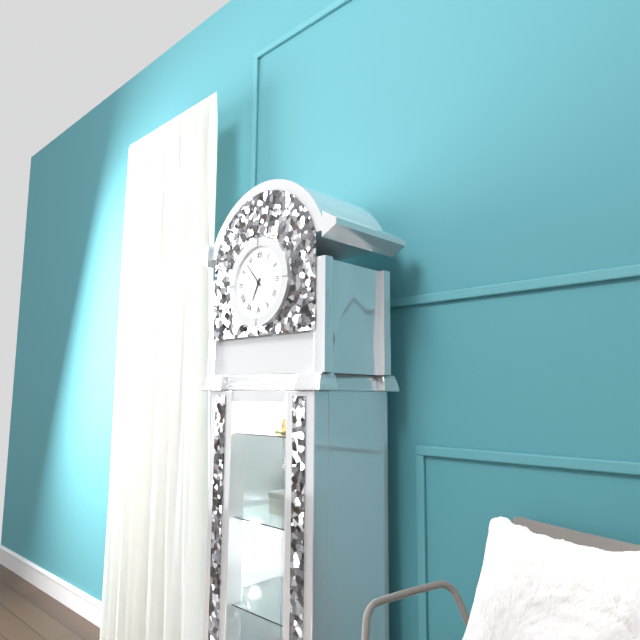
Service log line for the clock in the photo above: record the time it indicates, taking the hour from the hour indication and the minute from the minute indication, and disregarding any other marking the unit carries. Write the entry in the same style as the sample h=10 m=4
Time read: h=6 m=53
